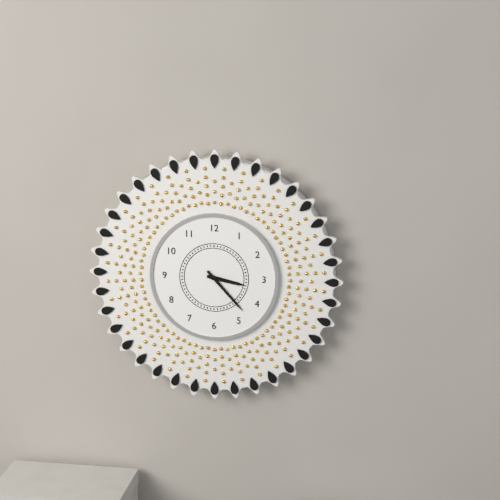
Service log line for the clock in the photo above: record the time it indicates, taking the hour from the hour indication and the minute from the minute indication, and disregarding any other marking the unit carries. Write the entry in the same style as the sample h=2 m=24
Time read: h=3 m=23
